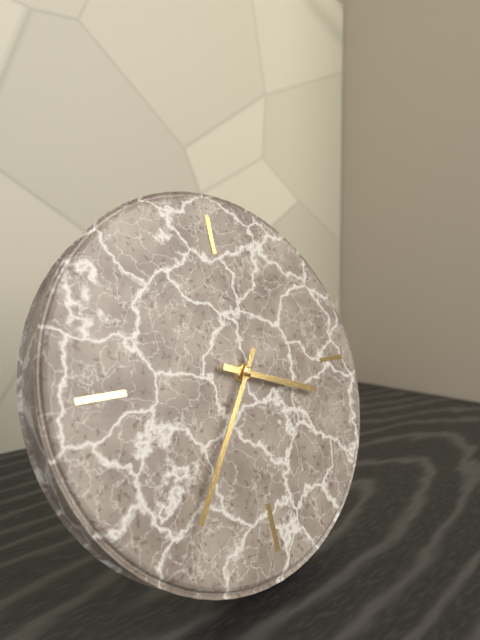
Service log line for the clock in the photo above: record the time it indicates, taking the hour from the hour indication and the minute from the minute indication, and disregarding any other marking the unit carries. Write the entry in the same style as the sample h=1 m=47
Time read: h=3 m=36
